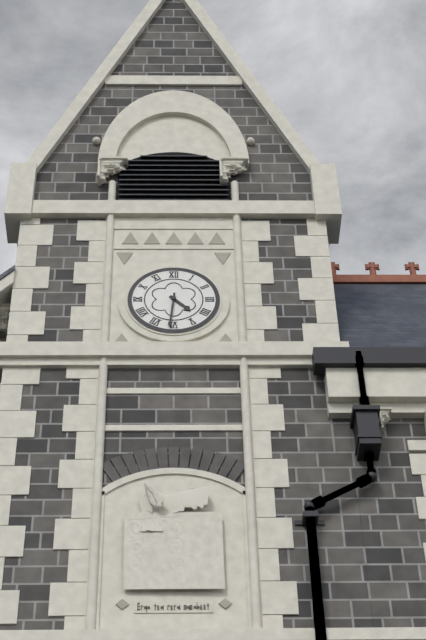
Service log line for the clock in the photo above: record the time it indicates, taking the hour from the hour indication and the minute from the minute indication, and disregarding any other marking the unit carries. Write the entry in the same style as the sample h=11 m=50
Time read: h=4 m=31
